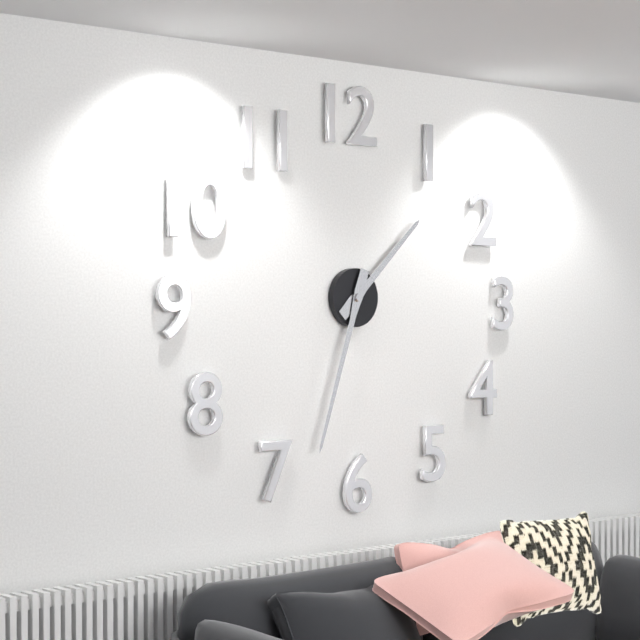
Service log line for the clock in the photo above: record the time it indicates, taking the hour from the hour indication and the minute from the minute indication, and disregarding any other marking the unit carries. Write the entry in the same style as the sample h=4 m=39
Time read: h=1 m=33
